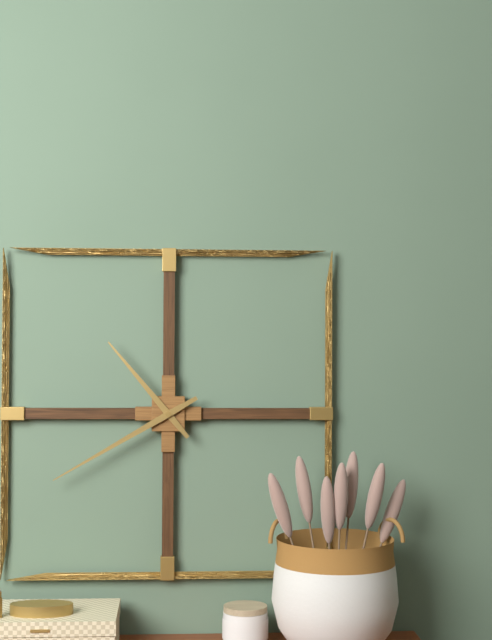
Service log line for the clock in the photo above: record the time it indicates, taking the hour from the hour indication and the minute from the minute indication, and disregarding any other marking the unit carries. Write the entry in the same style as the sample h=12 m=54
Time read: h=10 m=40
